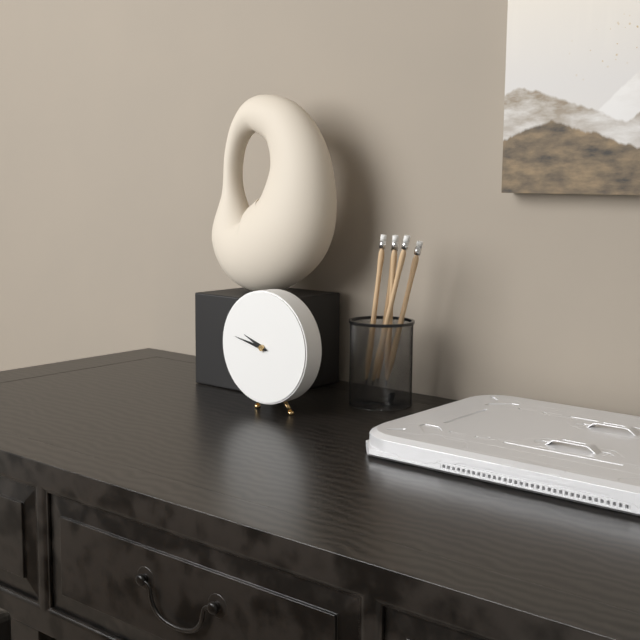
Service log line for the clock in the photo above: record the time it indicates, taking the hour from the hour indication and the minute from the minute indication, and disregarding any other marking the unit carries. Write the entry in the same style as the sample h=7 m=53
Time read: h=9 m=47
